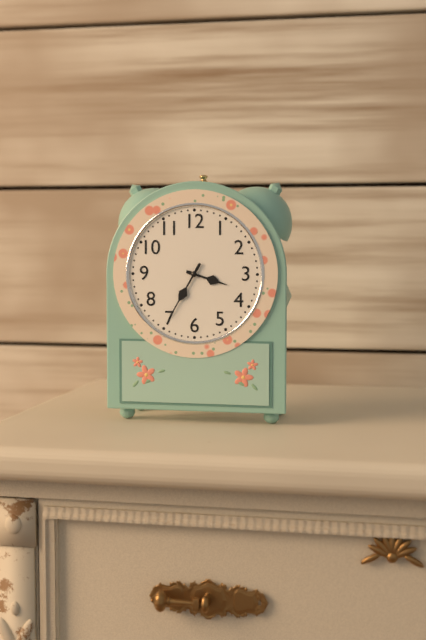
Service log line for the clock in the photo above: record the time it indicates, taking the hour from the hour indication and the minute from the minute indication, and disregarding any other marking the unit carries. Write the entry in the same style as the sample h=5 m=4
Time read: h=3 m=35
